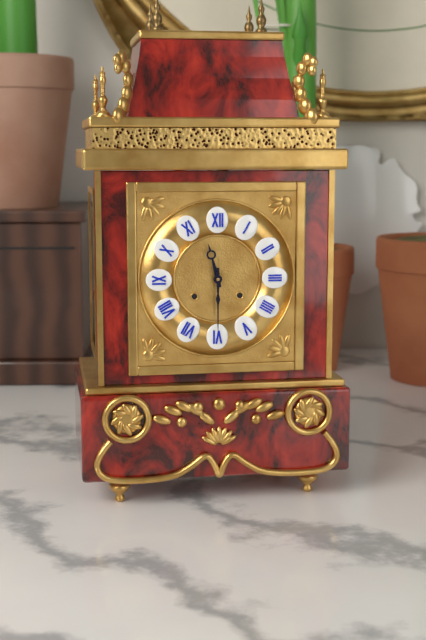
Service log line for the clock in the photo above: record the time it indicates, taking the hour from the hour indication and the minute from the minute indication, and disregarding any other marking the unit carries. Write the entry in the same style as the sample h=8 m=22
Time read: h=11 m=30
